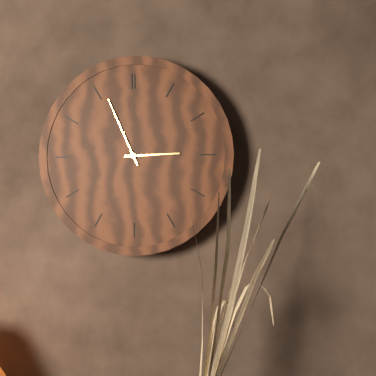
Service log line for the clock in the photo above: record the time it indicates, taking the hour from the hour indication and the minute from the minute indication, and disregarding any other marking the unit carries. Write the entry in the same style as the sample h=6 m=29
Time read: h=2 m=56
